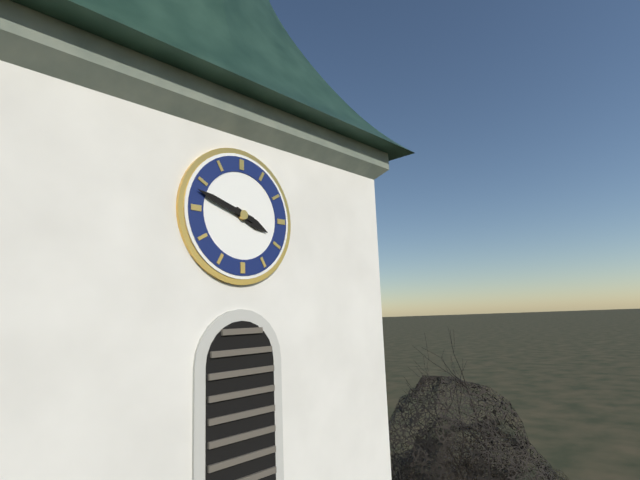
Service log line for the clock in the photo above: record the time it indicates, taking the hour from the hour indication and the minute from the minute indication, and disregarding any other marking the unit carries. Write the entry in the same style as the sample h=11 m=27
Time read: h=3 m=48
